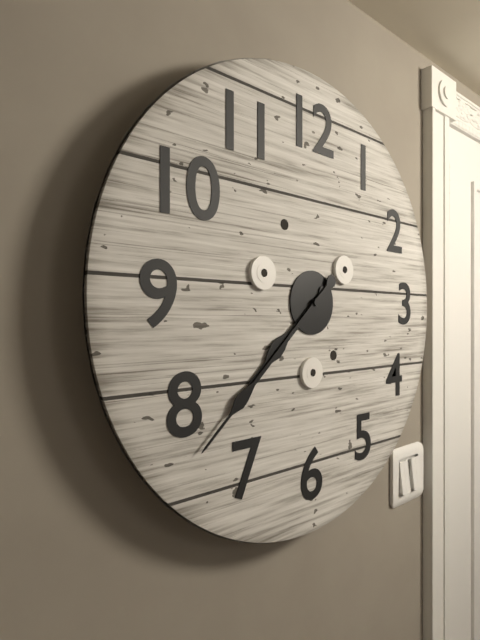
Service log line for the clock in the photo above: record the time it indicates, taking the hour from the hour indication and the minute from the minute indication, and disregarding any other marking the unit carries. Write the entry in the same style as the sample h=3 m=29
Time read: h=7 m=38
